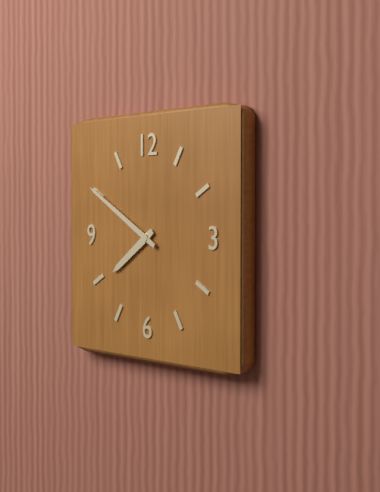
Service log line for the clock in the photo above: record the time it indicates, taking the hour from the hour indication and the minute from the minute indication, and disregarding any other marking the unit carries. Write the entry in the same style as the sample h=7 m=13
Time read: h=7 m=50
